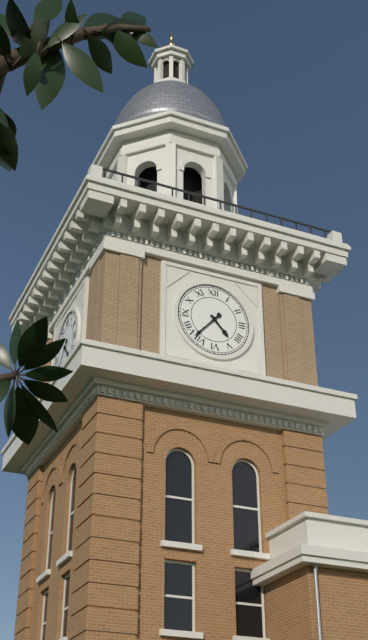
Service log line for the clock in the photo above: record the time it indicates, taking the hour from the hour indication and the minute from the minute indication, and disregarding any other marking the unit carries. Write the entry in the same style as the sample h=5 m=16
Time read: h=4 m=37
